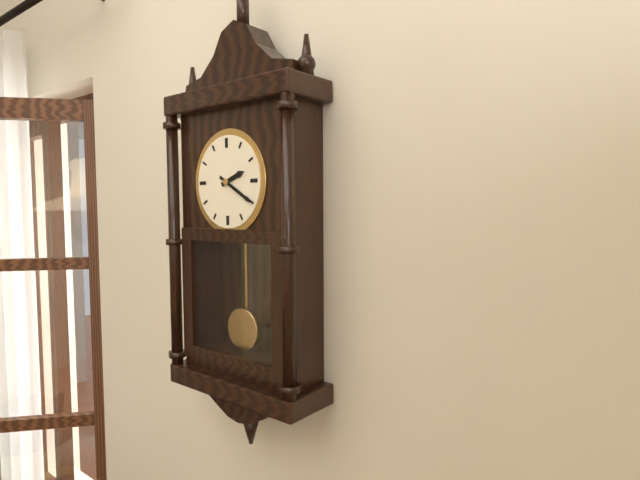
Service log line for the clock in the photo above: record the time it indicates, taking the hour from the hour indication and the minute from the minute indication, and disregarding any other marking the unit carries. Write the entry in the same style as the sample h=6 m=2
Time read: h=2 m=20
